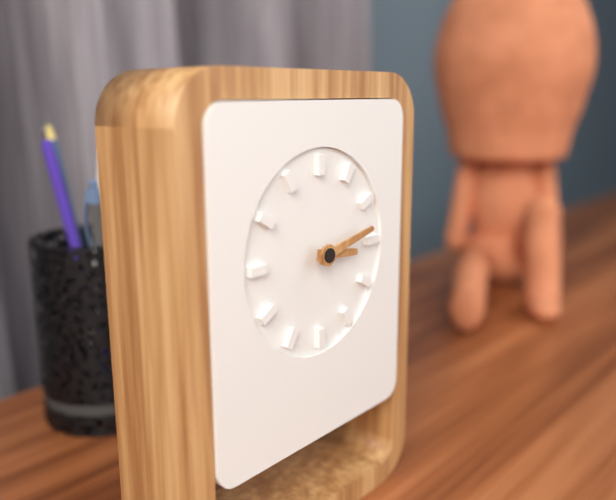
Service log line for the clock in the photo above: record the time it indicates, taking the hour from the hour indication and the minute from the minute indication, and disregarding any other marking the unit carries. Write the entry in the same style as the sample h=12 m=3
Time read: h=3 m=13
